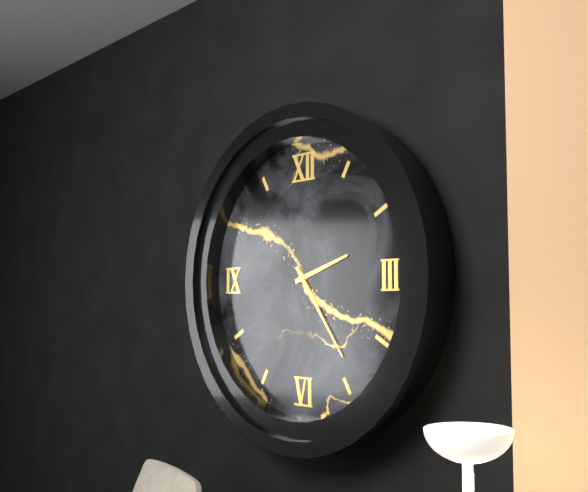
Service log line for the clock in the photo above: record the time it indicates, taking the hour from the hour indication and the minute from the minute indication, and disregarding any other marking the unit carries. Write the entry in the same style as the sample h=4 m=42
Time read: h=2 m=24
